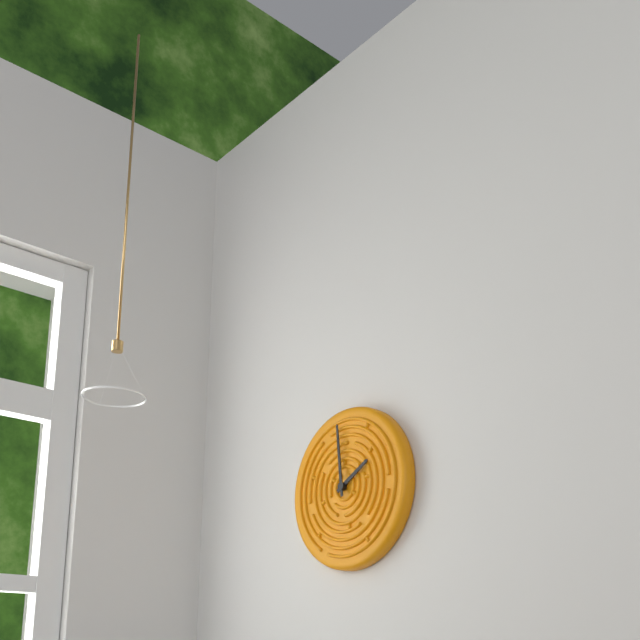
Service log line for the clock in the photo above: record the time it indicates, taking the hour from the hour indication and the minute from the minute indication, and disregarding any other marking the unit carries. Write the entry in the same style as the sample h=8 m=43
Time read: h=1 m=59
